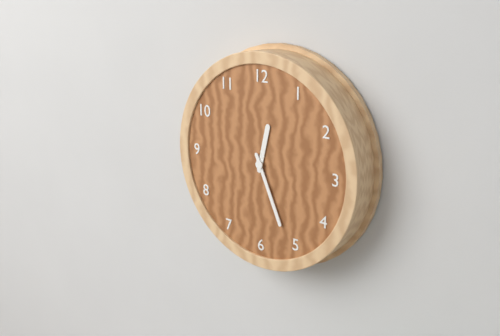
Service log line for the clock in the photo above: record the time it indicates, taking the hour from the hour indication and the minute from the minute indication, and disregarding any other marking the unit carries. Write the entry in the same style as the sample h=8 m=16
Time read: h=12 m=26
